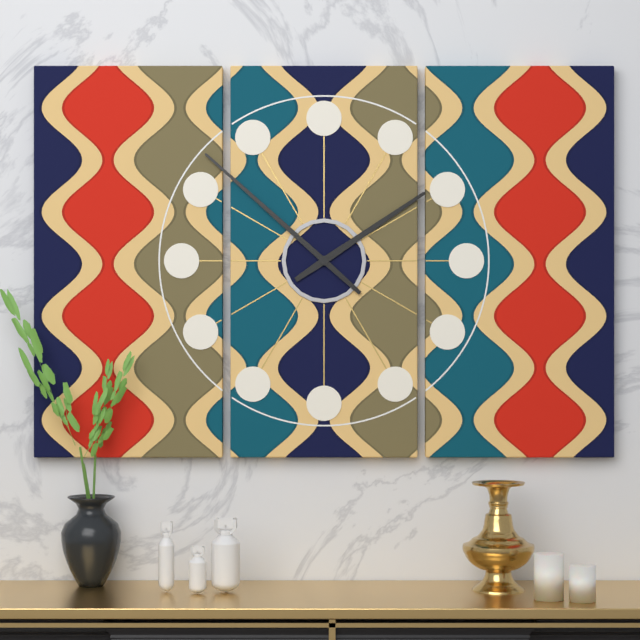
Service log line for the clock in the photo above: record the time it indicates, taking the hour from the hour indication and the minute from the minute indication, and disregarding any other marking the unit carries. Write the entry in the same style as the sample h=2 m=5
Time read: h=1 m=52
